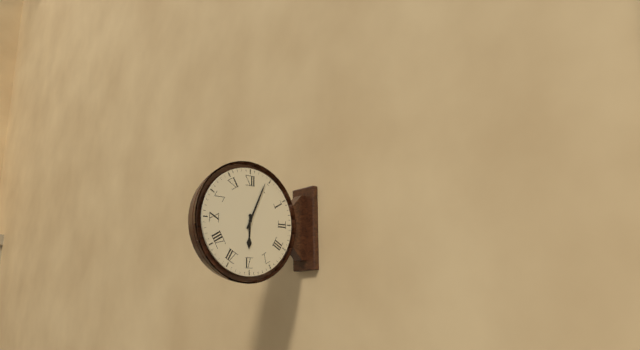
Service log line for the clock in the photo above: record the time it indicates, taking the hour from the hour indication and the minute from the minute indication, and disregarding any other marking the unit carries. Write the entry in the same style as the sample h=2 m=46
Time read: h=6 m=4
